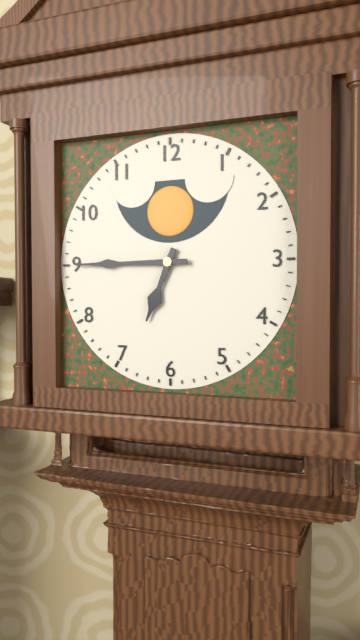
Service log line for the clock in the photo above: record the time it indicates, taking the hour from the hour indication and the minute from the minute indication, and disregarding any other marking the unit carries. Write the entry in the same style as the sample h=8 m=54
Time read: h=6 m=45
